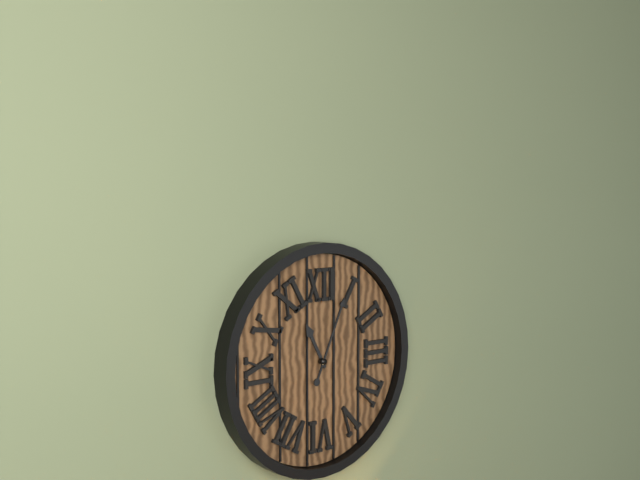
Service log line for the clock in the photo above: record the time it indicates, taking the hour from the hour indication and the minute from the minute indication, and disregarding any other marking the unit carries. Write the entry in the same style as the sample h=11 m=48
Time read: h=11 m=4
